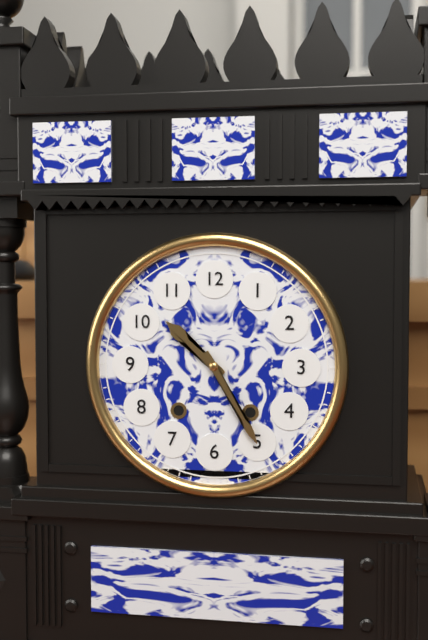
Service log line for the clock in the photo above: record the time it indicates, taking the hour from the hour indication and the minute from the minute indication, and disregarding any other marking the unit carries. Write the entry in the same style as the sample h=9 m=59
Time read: h=10 m=25
